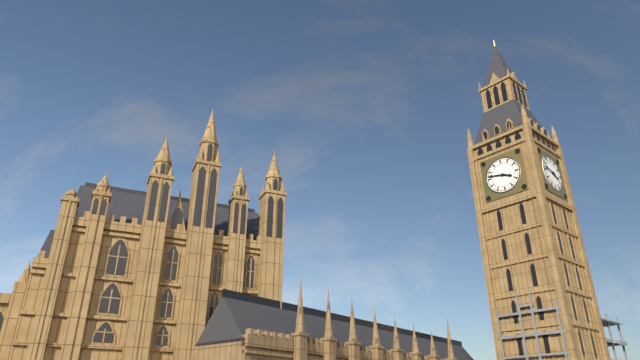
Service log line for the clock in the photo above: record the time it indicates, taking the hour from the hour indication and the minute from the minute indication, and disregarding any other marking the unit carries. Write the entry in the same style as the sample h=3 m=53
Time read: h=3 m=47
